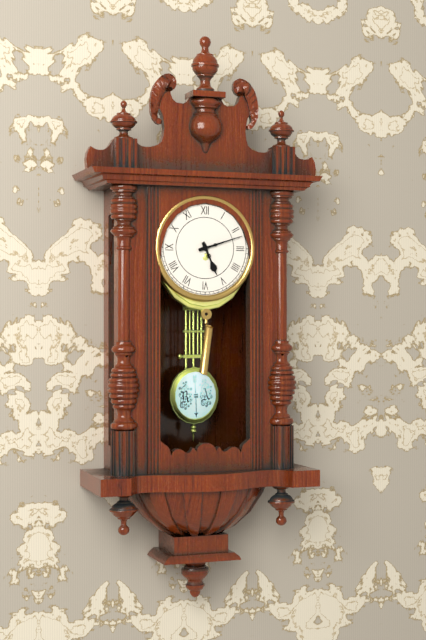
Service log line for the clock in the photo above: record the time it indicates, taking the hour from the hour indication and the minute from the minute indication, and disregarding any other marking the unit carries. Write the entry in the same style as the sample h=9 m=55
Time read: h=5 m=12
